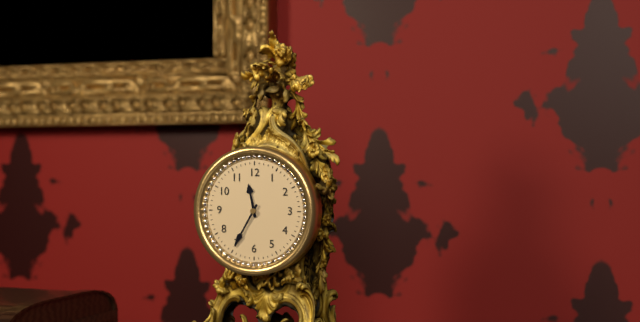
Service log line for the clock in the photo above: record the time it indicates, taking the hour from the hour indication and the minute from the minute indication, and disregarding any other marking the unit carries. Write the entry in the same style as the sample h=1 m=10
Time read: h=11 m=35
